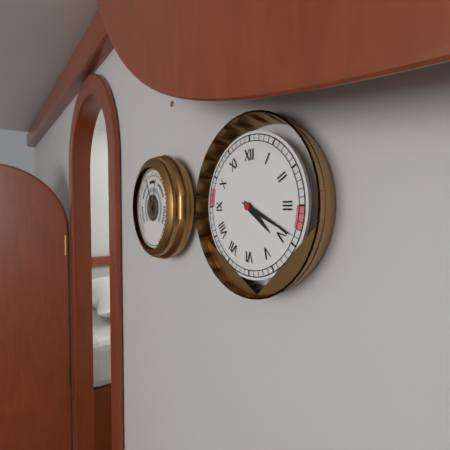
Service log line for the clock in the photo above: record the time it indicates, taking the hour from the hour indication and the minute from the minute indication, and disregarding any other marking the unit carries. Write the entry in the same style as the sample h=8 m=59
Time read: h=4 m=19
